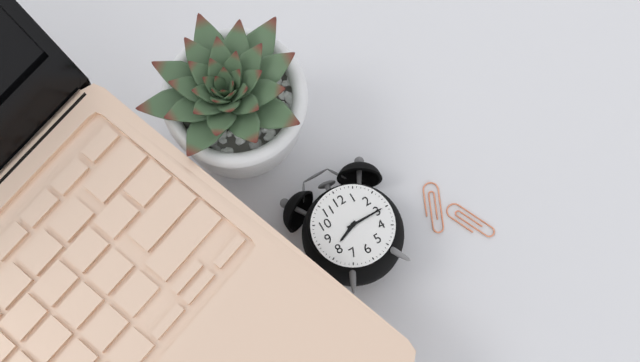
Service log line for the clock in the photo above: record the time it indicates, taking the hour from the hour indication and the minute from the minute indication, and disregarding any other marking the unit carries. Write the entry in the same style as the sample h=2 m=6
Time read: h=8 m=15
